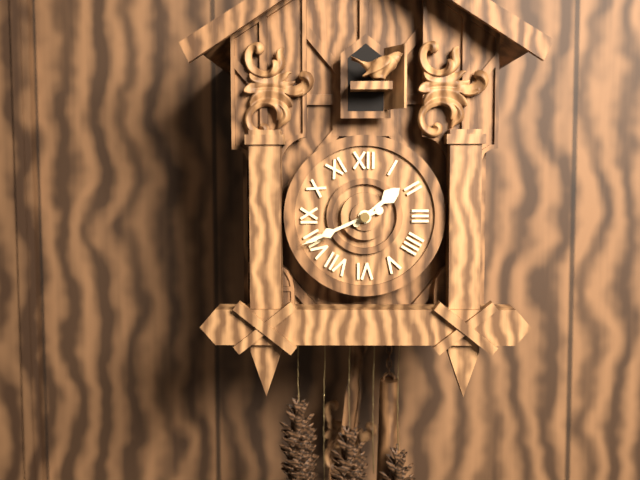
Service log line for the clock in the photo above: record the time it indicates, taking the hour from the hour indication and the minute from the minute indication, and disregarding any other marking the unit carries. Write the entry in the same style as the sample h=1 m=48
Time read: h=1 m=41
